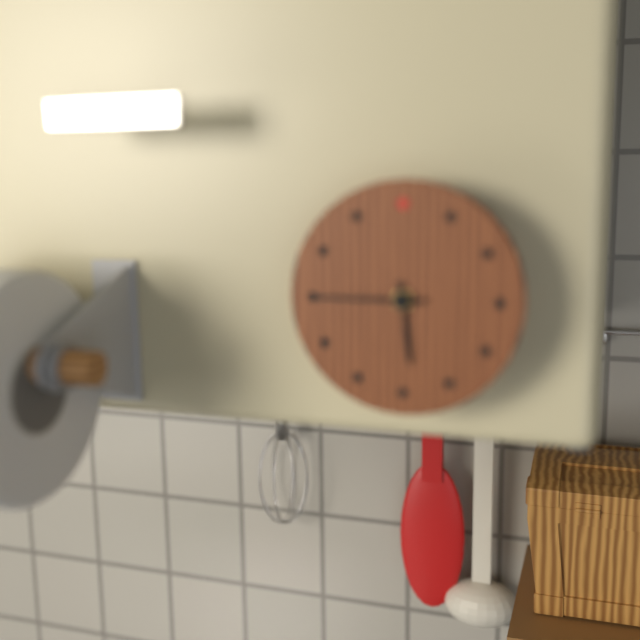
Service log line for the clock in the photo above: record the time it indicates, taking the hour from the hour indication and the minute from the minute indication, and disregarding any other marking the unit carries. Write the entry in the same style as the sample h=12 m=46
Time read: h=5 m=45
